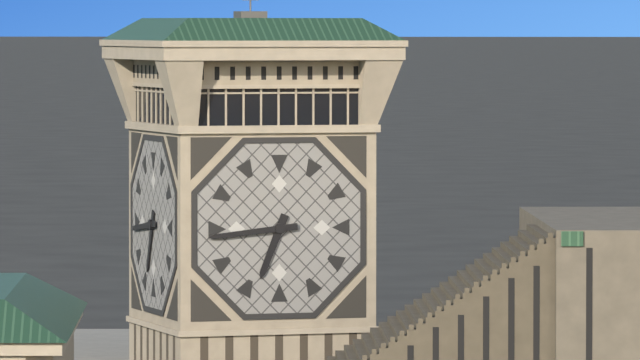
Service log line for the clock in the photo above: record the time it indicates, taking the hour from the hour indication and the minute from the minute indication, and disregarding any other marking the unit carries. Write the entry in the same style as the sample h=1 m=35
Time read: h=6 m=44
